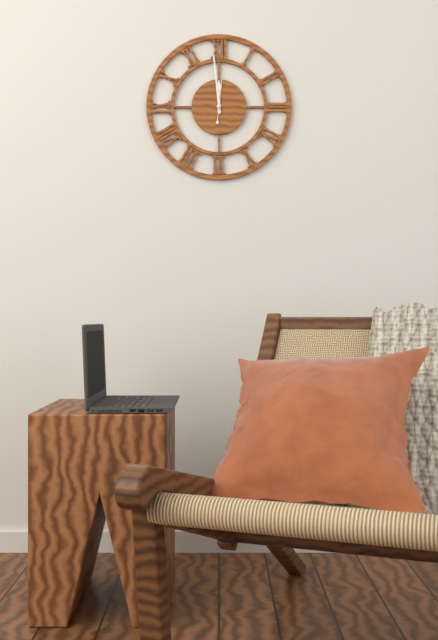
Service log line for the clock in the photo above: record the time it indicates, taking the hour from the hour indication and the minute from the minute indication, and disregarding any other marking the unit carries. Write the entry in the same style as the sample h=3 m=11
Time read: h=11 m=59
